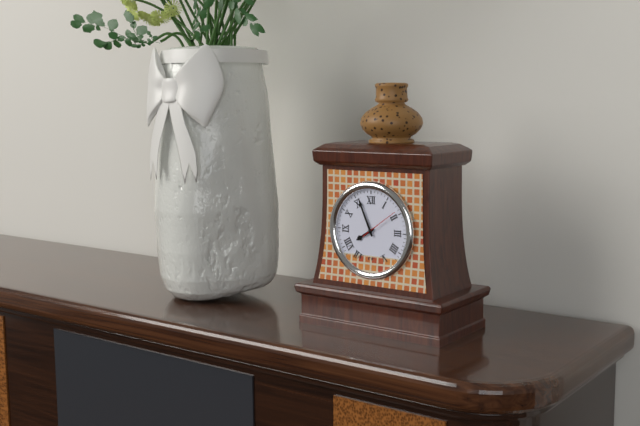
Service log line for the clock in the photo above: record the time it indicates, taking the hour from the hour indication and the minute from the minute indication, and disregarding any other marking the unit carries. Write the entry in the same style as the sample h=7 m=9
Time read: h=7 m=56
